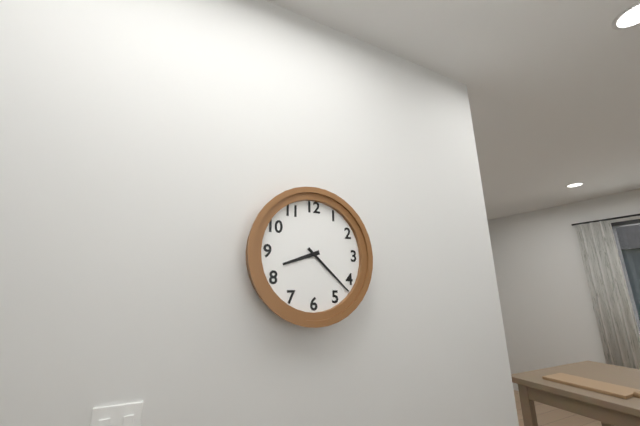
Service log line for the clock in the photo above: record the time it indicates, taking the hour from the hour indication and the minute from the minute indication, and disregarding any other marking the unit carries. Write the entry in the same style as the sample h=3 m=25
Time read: h=8 m=22
